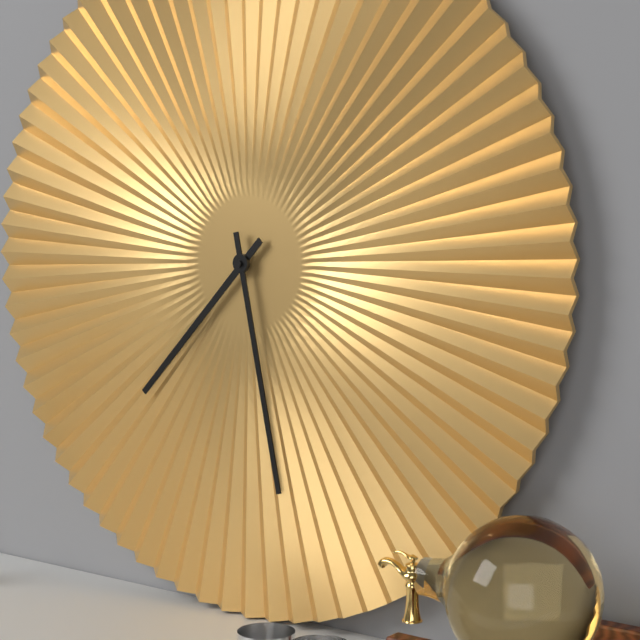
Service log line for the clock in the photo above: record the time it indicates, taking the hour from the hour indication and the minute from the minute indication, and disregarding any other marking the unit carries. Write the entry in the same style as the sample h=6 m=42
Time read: h=7 m=28
